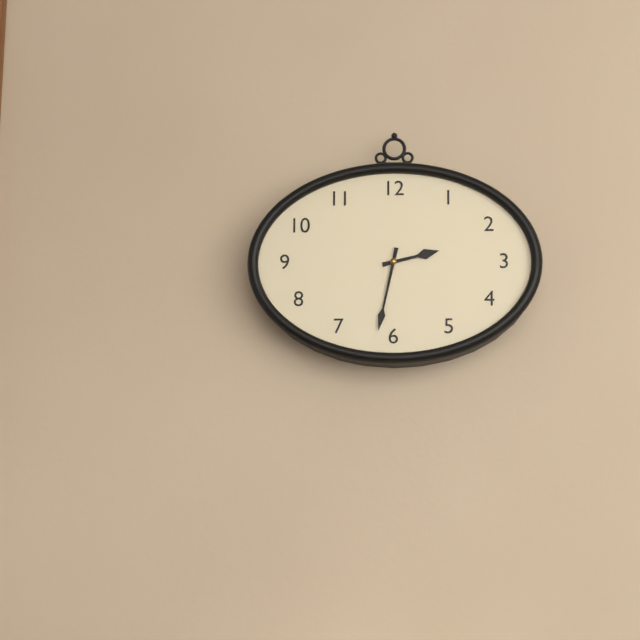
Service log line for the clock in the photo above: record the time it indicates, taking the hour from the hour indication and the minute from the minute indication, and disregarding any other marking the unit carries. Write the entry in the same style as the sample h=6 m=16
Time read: h=2 m=32
